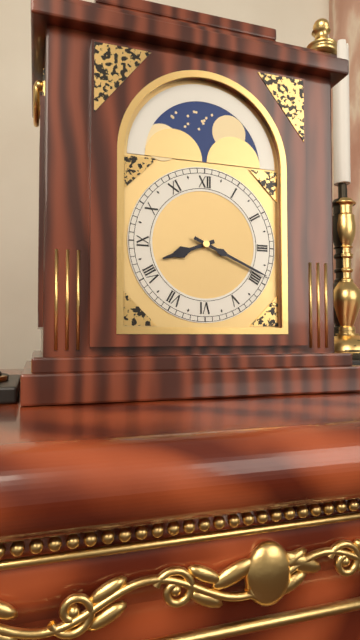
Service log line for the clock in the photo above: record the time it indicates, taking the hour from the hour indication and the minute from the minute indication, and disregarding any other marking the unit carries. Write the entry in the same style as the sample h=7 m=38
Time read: h=8 m=19
